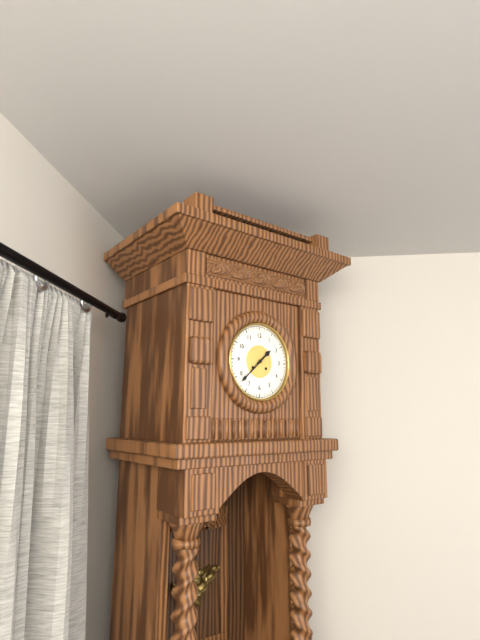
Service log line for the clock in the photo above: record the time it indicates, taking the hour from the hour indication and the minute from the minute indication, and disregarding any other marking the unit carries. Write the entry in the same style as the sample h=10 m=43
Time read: h=1 m=38
